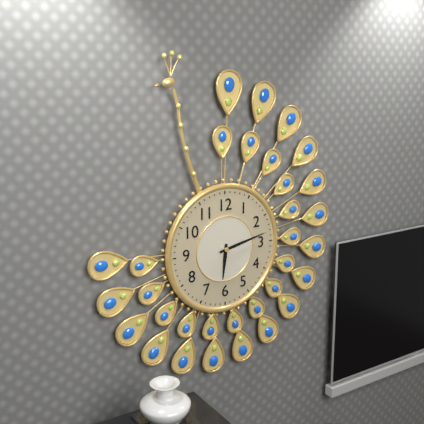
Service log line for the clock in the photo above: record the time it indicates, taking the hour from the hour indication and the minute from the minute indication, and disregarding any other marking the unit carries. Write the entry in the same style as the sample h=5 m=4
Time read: h=6 m=13
